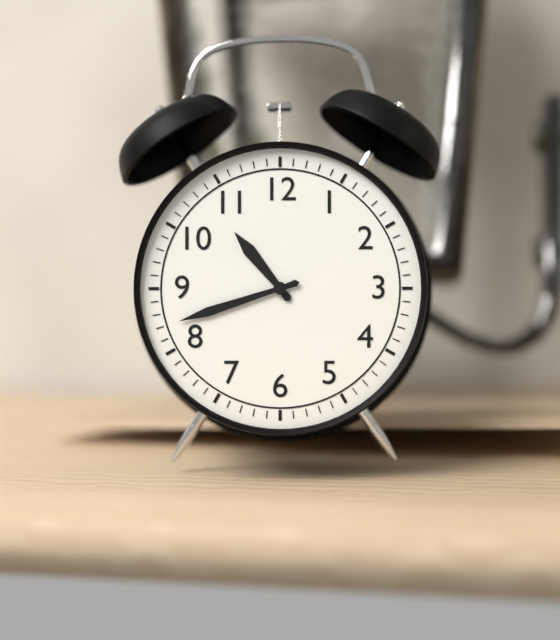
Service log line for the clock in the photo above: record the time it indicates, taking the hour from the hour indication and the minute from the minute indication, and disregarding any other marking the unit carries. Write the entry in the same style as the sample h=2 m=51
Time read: h=10 m=42
